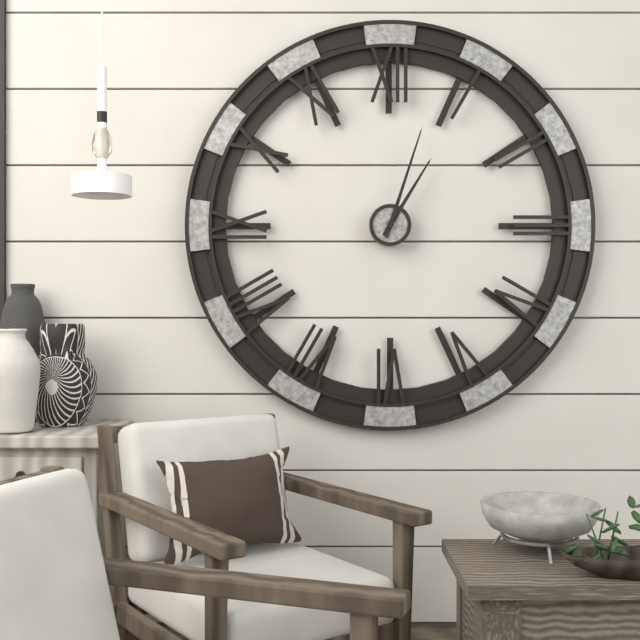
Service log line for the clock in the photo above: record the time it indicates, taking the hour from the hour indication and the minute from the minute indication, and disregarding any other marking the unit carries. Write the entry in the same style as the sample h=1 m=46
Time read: h=1 m=3
